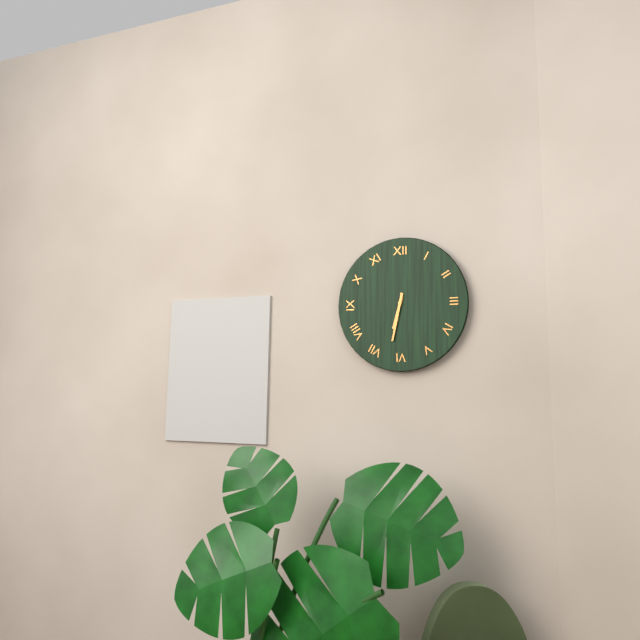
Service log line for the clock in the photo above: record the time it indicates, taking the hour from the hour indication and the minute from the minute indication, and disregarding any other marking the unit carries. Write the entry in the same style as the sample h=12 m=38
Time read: h=6 m=32
